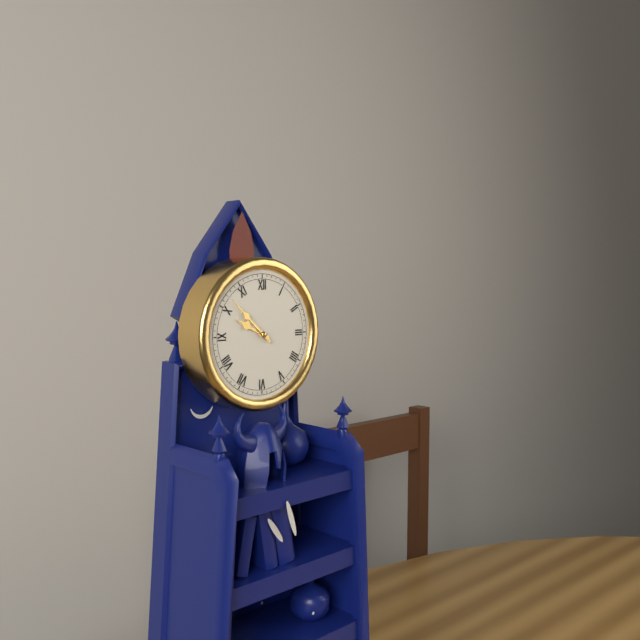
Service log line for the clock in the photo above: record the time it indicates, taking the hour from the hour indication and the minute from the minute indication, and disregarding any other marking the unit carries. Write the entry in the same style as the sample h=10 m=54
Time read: h=9 m=52
